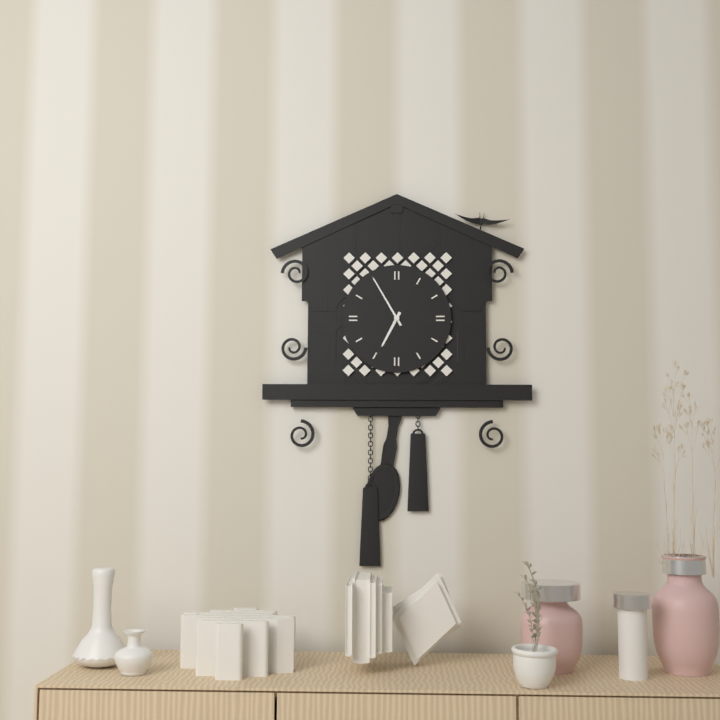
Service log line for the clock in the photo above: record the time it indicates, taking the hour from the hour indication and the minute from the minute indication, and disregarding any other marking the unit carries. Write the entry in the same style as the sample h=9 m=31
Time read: h=6 m=55
